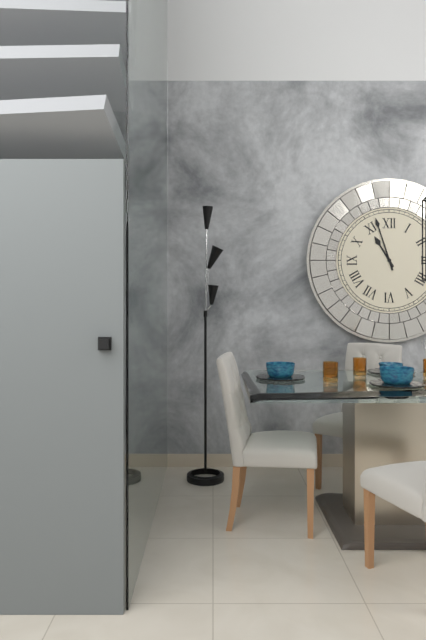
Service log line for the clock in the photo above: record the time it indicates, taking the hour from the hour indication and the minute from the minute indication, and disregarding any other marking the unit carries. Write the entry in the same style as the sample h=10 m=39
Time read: h=10 m=57
